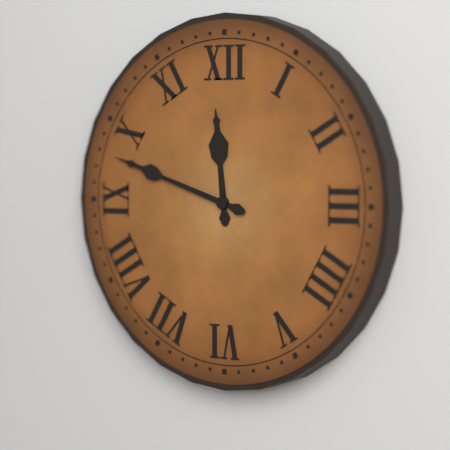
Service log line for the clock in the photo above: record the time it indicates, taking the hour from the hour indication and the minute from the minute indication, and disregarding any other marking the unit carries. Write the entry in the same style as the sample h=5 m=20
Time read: h=11 m=48
